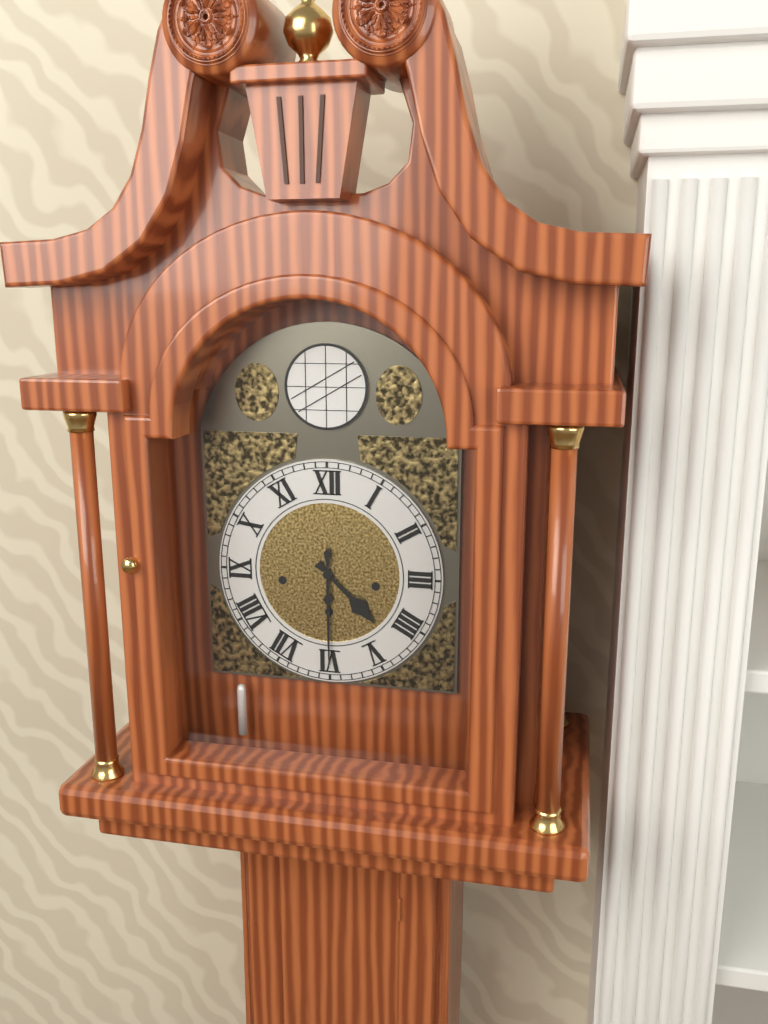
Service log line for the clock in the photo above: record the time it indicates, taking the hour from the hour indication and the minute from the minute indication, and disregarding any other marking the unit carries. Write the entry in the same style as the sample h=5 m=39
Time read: h=4 m=30
